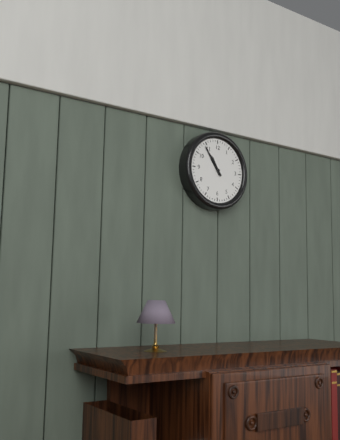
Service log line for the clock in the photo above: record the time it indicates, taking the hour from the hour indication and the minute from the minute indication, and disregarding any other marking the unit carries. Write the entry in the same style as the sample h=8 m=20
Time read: h=10 m=54
